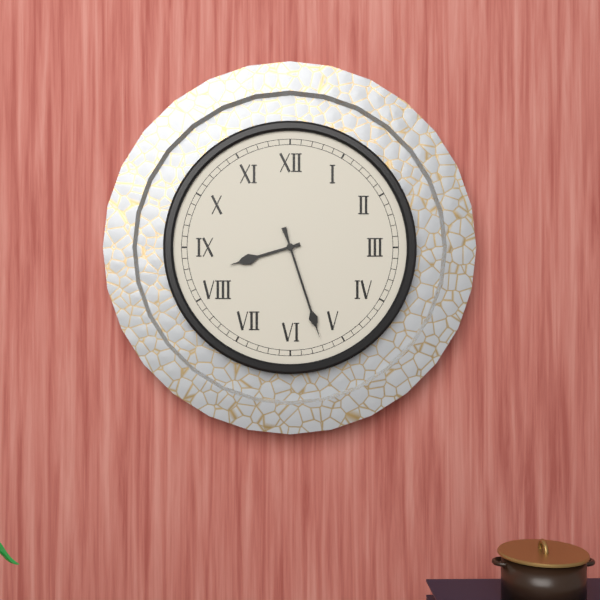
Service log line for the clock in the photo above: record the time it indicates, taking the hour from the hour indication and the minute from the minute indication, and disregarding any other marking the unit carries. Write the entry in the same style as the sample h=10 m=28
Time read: h=8 m=27
